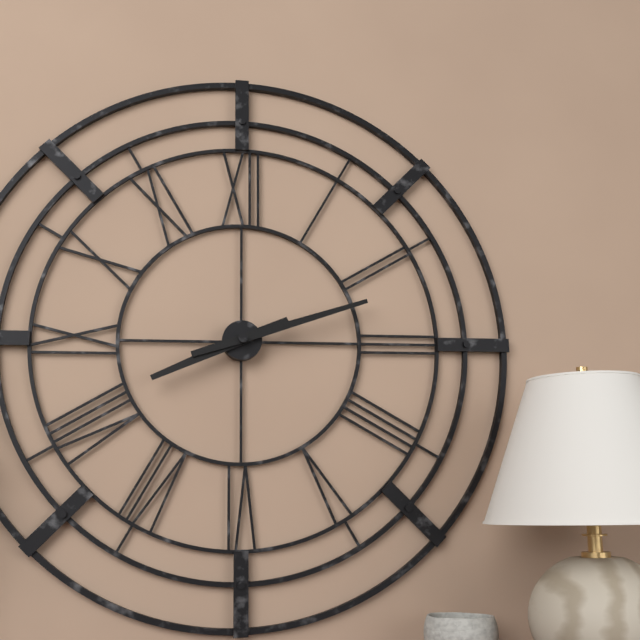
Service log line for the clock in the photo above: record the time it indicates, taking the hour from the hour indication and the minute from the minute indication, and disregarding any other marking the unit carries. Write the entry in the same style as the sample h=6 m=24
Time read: h=8 m=12
